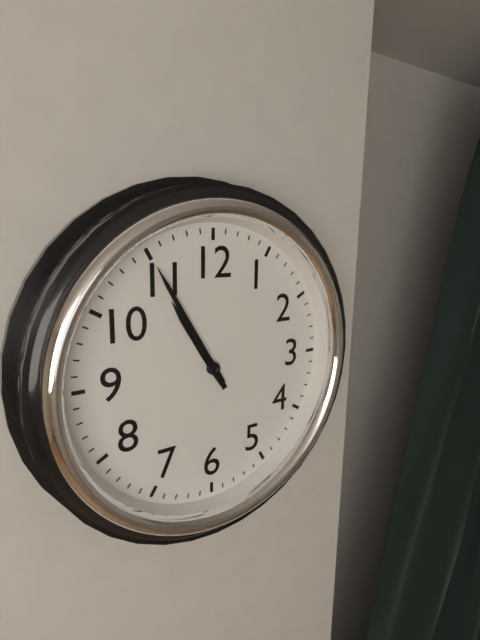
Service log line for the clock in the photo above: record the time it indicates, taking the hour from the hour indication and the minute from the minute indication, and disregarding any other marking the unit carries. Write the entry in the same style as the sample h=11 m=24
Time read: h=10 m=55
